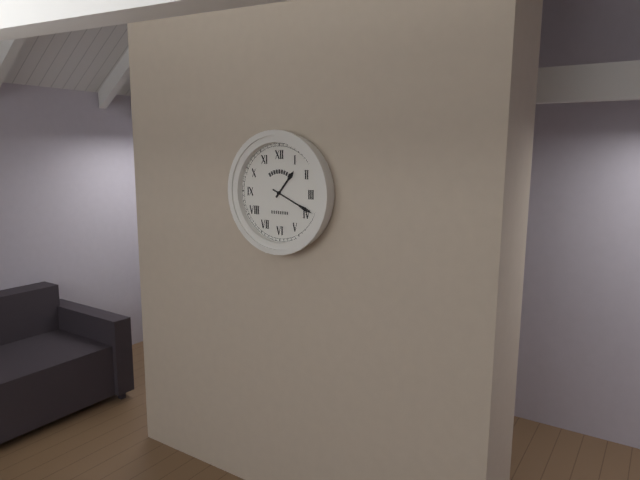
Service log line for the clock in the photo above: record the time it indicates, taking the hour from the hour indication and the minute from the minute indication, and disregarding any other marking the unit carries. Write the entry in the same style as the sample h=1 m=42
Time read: h=1 m=19
